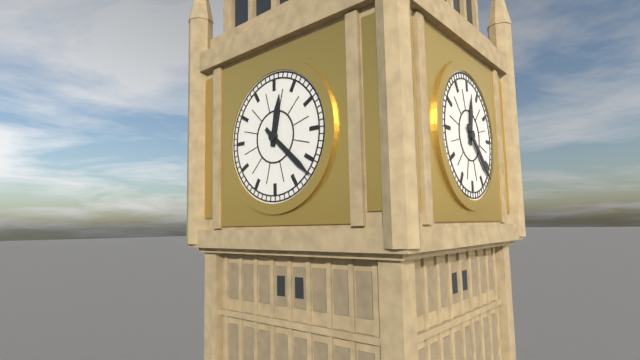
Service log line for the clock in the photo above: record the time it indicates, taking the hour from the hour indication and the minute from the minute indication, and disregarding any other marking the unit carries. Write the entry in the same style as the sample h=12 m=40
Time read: h=12 m=22
